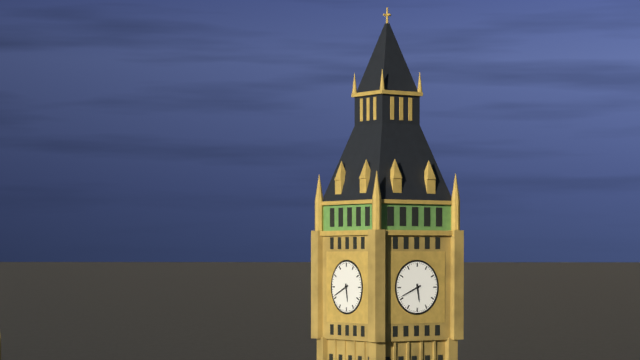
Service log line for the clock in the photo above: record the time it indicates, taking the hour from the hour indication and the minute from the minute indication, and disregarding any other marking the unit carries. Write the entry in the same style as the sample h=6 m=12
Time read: h=5 m=41
